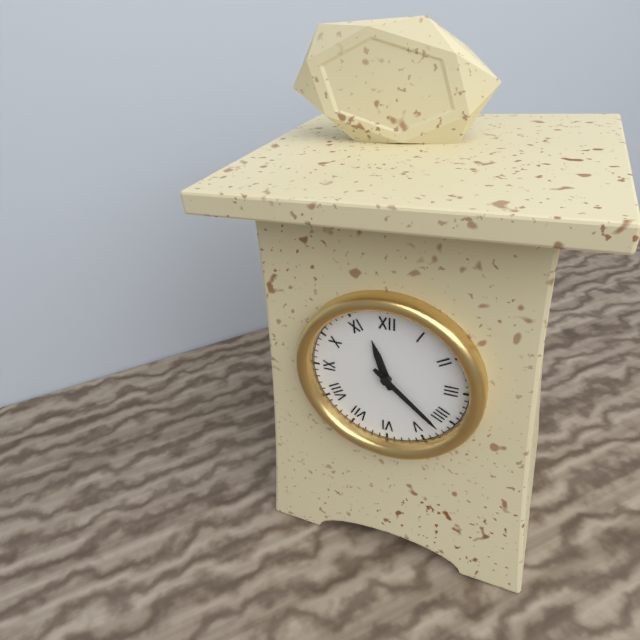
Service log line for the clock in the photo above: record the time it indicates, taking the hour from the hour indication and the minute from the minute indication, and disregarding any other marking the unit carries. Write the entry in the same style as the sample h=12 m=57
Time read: h=11 m=22
